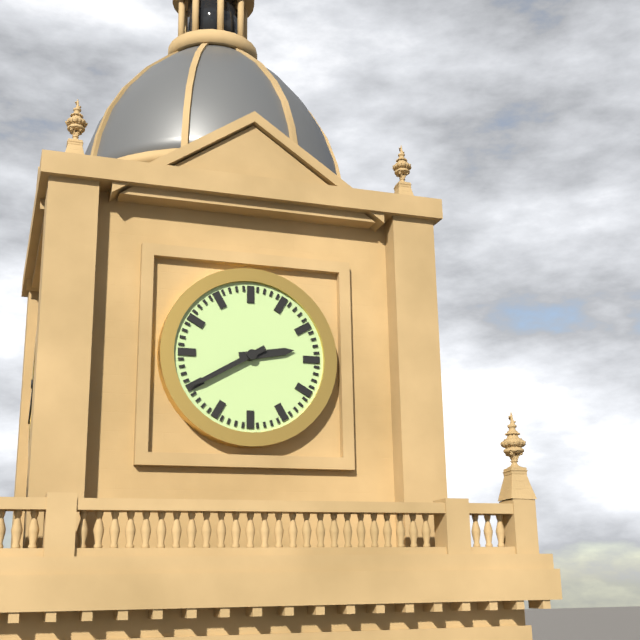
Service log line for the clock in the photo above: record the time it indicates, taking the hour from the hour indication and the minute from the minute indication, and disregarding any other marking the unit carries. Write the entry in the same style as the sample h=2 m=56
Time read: h=2 m=40
